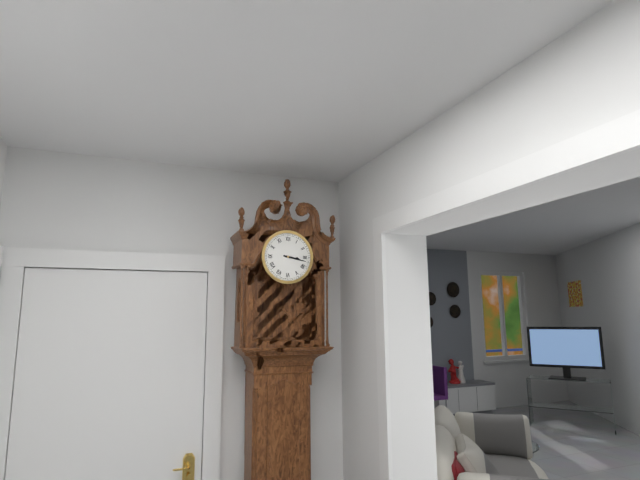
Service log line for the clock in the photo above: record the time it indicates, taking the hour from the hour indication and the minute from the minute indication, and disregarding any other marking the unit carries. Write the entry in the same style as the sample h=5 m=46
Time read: h=3 m=17
